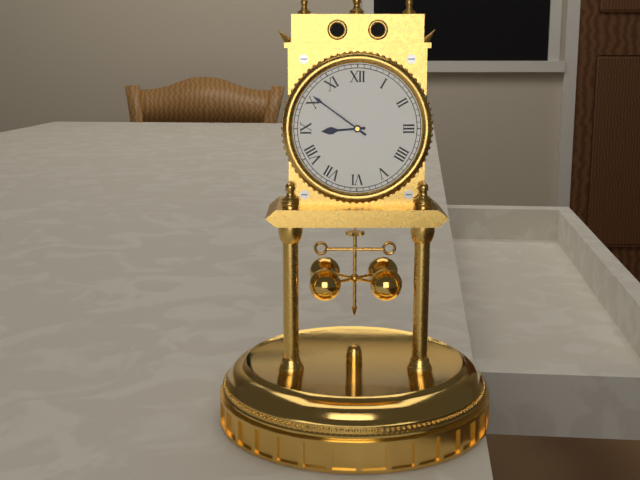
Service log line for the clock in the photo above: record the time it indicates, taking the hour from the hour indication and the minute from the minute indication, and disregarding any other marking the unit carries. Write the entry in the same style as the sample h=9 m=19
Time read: h=8 m=51
